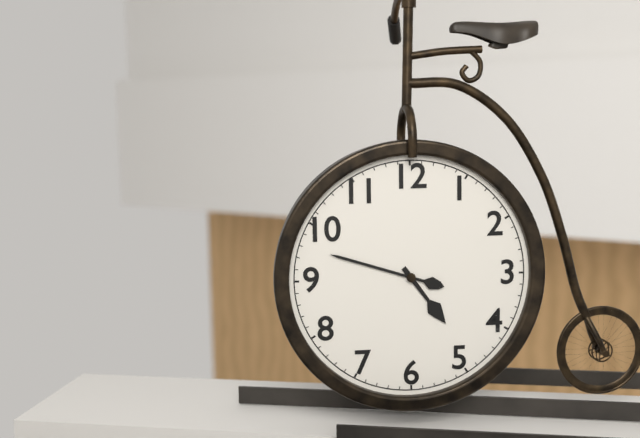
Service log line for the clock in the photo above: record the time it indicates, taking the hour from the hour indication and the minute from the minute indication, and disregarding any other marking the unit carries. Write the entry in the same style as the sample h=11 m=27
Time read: h=4 m=48
